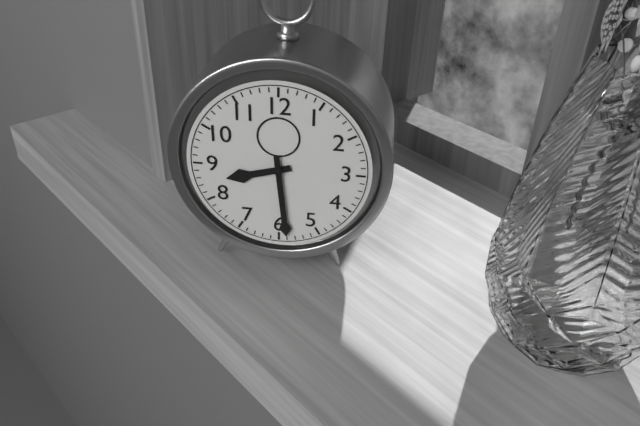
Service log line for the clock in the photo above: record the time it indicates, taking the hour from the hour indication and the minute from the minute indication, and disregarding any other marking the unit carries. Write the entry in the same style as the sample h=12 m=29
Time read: h=8 m=29
